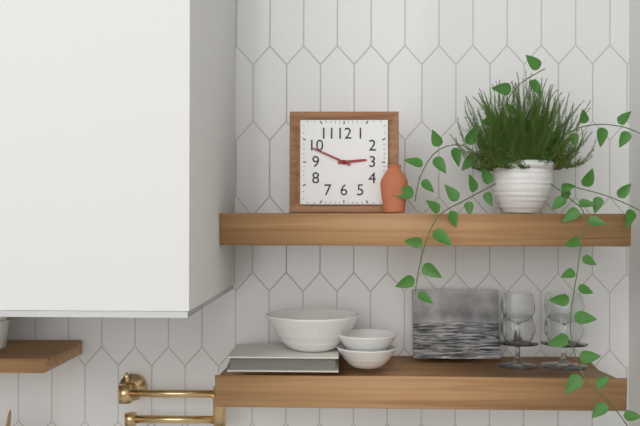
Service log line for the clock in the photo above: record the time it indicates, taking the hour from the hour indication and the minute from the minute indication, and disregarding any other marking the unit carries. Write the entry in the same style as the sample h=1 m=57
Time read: h=2 m=49
